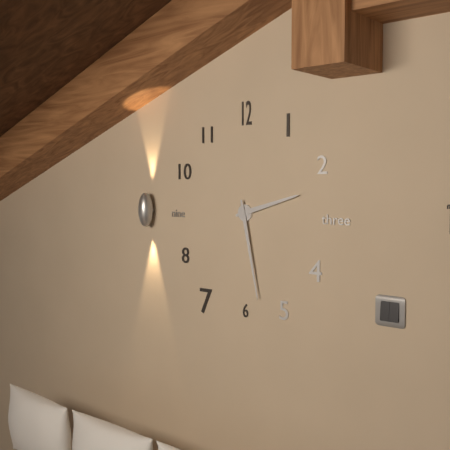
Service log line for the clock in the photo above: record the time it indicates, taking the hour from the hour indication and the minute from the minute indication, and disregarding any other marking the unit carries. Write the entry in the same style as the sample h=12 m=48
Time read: h=2 m=28
